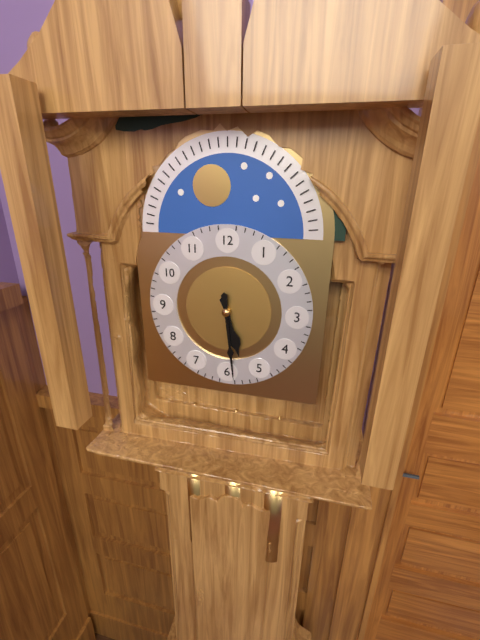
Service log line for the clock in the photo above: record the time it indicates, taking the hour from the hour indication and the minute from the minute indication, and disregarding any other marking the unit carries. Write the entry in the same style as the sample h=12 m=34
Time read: h=5 m=29
